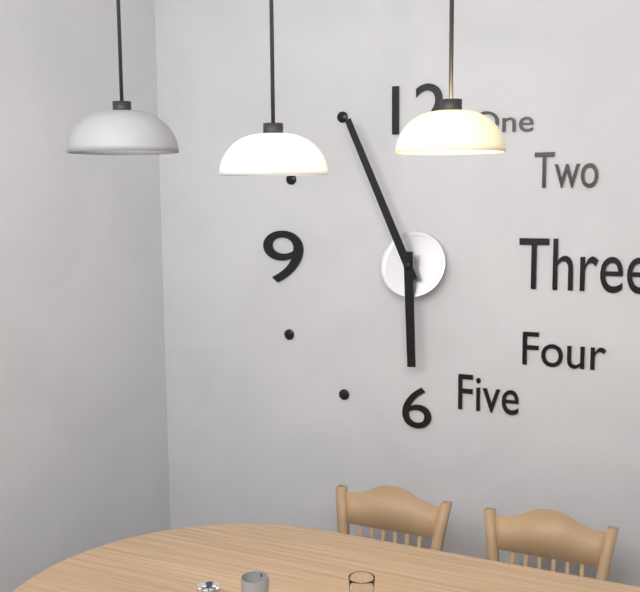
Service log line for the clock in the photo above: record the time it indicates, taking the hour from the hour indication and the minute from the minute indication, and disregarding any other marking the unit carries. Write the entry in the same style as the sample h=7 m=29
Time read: h=5 m=56
